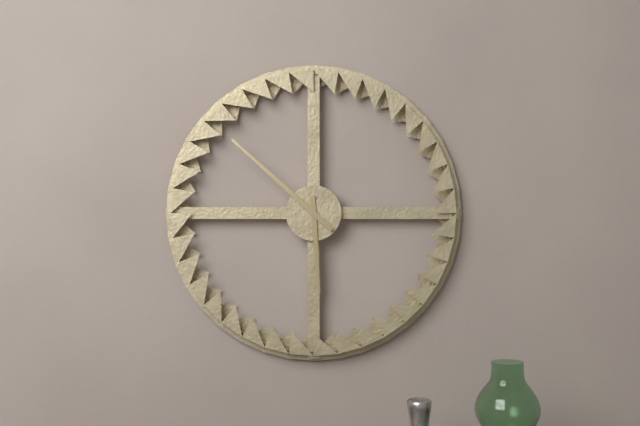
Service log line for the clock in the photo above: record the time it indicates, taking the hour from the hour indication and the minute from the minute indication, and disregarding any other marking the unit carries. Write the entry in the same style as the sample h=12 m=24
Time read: h=5 m=52
